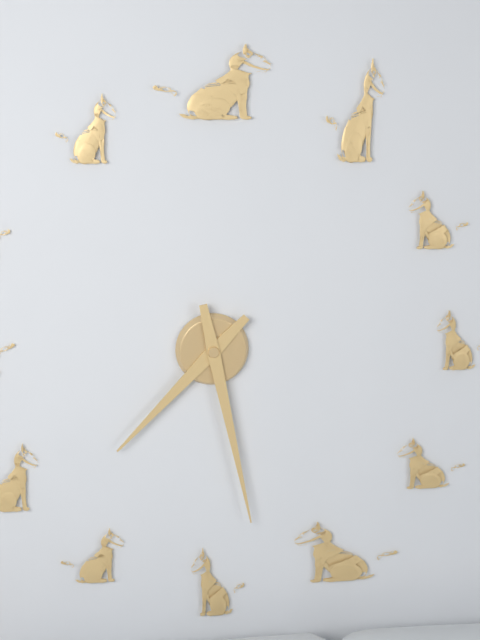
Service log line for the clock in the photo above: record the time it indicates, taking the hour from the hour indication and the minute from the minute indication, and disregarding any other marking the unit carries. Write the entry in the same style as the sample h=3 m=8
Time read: h=7 m=28
